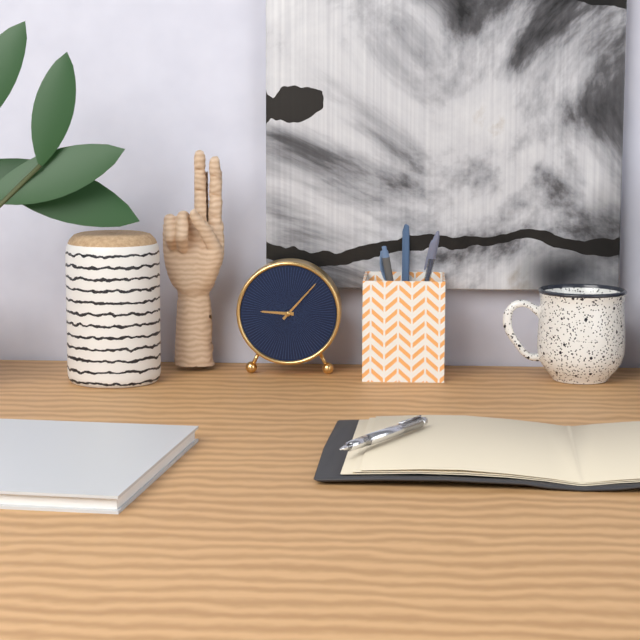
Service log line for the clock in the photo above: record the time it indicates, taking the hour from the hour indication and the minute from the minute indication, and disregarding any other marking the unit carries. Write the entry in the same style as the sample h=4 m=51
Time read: h=9 m=7
